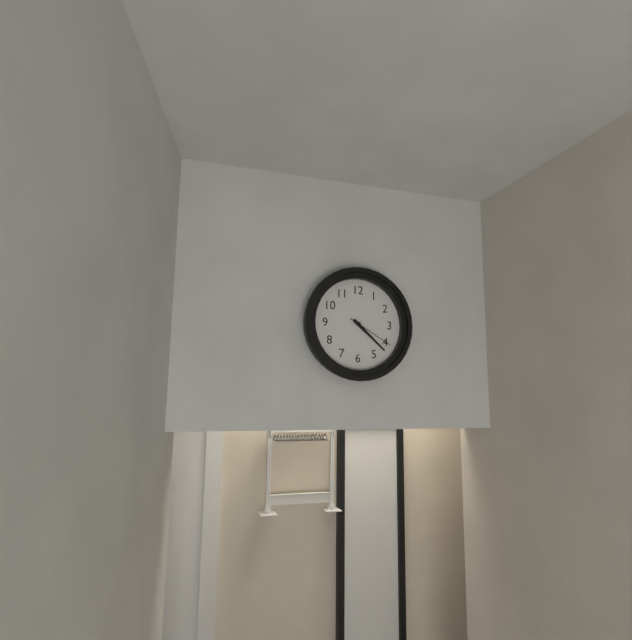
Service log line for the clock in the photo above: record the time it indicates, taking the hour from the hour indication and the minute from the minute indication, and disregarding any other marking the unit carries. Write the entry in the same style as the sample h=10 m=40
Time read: h=4 m=22
